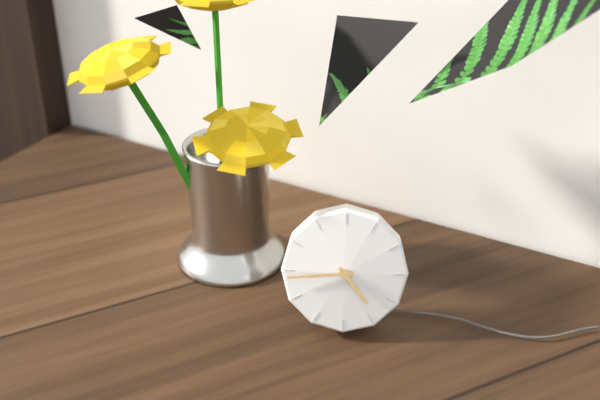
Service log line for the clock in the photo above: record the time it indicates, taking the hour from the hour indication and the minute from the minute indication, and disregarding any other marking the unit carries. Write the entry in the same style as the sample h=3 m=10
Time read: h=4 m=44
